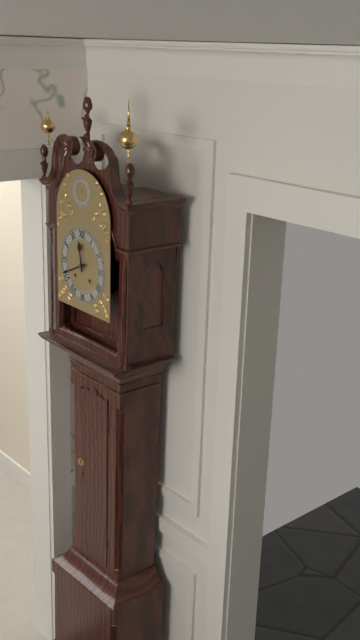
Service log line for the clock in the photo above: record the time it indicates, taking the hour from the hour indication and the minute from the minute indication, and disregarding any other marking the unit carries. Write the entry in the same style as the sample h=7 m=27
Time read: h=11 m=41
